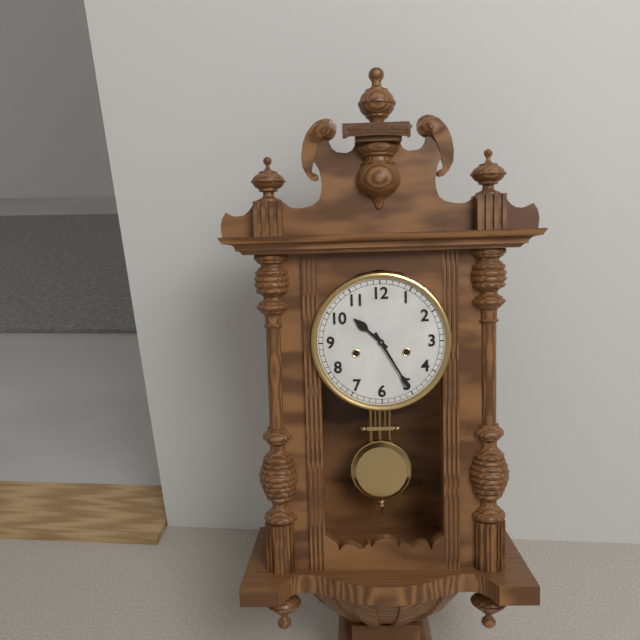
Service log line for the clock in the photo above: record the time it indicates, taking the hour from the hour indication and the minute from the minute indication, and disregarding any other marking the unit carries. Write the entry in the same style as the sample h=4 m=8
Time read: h=10 m=25
